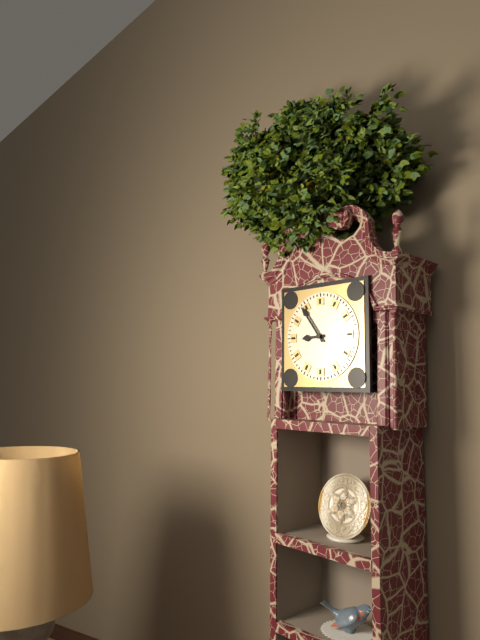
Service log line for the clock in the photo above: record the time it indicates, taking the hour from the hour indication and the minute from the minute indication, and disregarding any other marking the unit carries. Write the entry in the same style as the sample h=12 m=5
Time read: h=8 m=54
